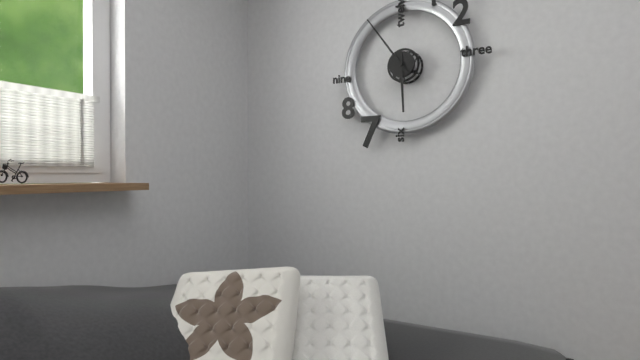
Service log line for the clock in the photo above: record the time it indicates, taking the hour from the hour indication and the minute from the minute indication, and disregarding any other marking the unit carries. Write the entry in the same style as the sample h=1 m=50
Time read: h=5 m=54
